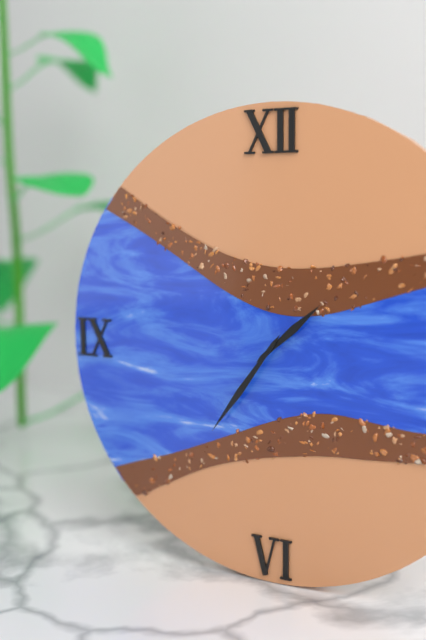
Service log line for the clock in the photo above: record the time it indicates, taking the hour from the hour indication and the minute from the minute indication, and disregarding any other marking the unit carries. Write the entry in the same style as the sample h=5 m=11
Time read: h=1 m=36
